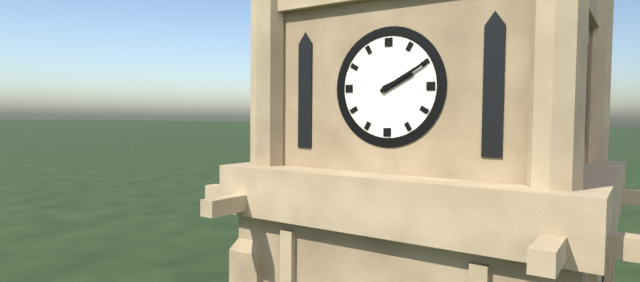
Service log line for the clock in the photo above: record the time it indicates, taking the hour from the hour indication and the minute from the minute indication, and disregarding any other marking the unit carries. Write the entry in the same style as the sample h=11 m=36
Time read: h=2 m=10
